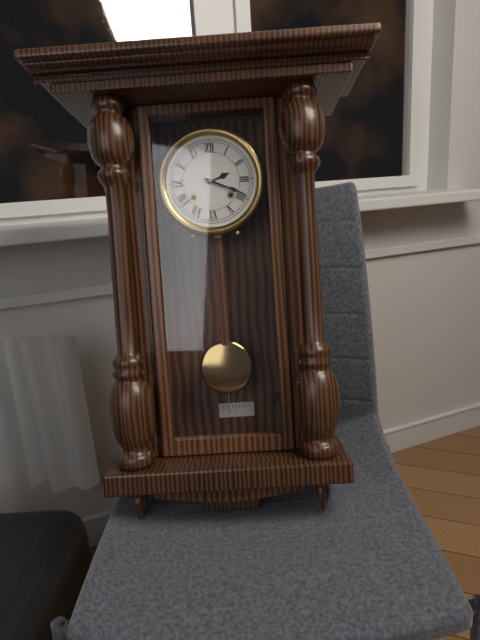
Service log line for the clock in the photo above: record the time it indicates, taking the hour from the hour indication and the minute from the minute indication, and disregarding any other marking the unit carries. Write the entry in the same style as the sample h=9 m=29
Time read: h=2 m=19
